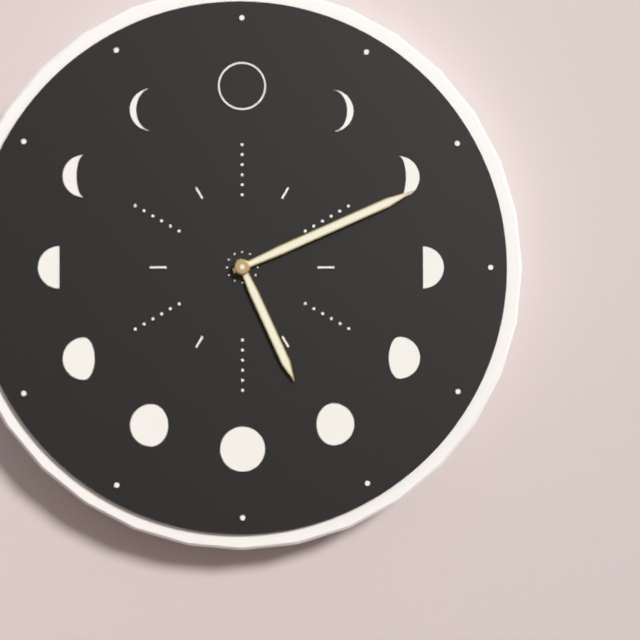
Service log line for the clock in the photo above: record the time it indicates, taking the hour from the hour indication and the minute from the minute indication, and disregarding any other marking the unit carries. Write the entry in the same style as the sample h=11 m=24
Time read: h=5 m=11
